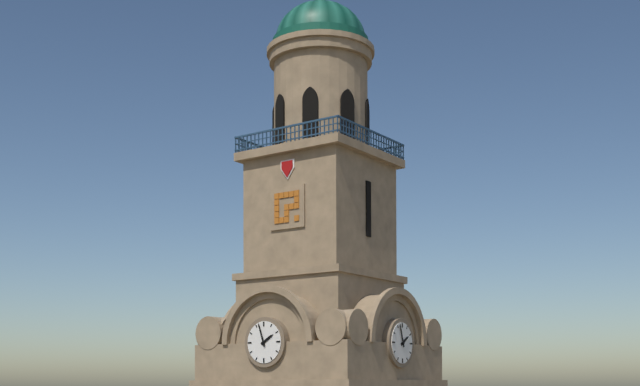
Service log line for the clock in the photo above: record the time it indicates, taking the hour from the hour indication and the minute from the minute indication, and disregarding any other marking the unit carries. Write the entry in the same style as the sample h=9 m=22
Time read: h=1 m=57
